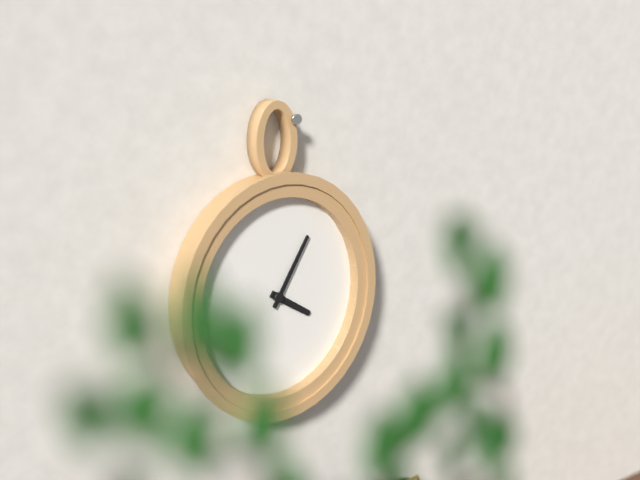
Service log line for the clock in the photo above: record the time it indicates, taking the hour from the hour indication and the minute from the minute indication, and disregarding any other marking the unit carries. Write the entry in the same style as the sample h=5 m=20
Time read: h=4 m=5
